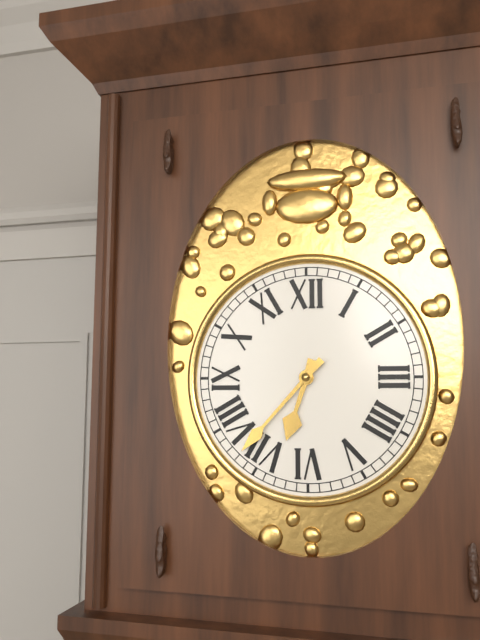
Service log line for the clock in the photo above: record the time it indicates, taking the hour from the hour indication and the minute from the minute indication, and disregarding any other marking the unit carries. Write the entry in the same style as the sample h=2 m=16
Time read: h=6 m=37
